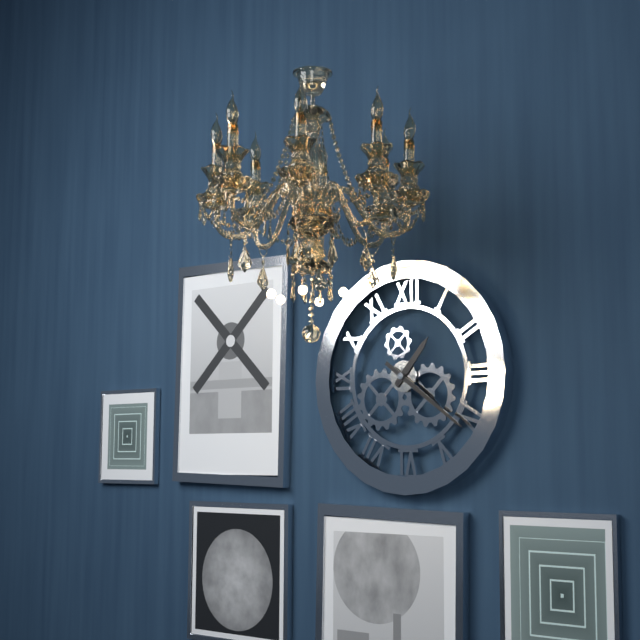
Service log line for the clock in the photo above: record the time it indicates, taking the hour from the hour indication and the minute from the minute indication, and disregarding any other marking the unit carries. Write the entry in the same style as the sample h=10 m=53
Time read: h=1 m=21
